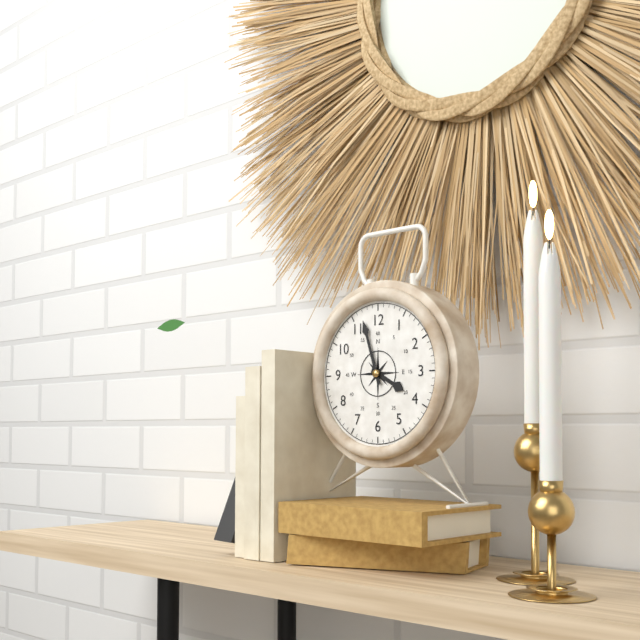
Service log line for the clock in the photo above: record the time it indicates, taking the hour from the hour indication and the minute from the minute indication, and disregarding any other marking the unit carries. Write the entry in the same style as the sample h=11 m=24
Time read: h=3 m=57
